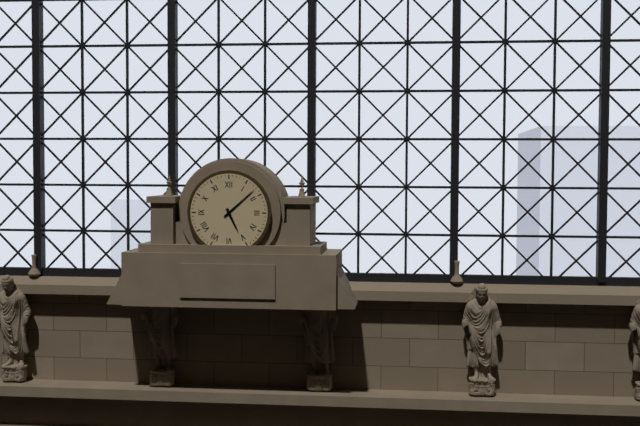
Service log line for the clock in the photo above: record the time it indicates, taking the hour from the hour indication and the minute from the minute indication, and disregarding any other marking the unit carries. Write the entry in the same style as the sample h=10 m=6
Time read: h=5 m=8
